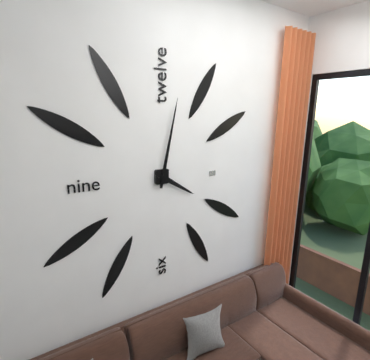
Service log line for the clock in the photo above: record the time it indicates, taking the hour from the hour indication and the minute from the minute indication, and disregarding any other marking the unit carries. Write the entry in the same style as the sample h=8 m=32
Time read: h=4 m=2
